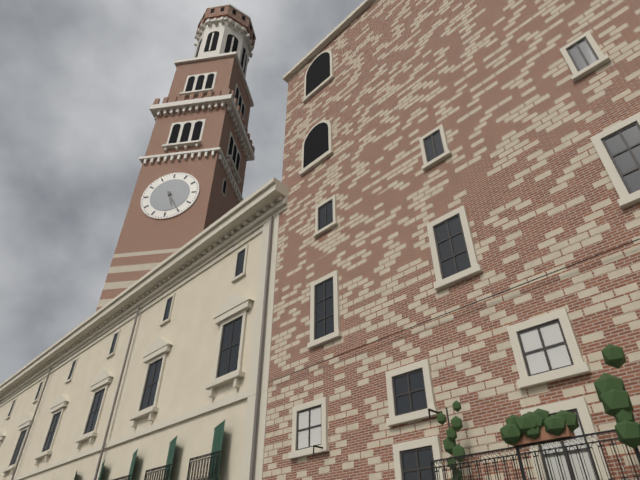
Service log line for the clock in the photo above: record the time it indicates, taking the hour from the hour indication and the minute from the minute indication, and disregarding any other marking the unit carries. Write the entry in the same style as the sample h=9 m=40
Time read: h=5 m=25
